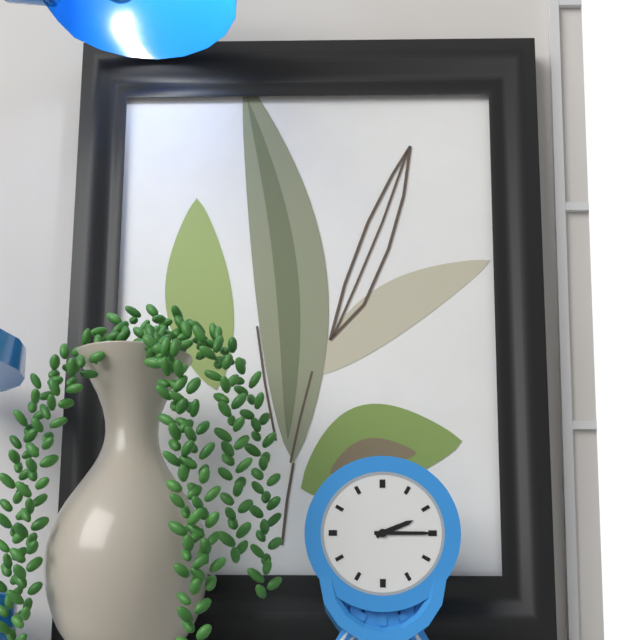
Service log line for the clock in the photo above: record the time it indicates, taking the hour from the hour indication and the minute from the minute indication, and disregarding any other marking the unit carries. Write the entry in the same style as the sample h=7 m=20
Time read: h=2 m=15
